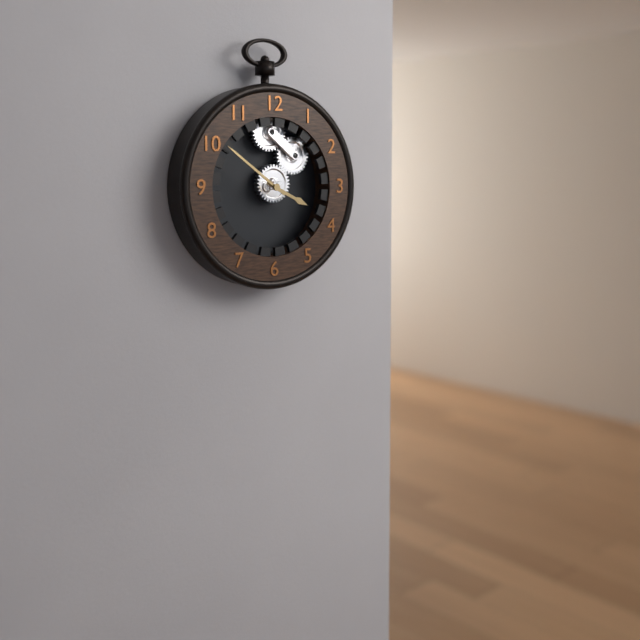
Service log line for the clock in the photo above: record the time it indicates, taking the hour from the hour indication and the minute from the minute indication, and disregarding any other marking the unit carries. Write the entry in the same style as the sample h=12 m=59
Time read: h=3 m=51
